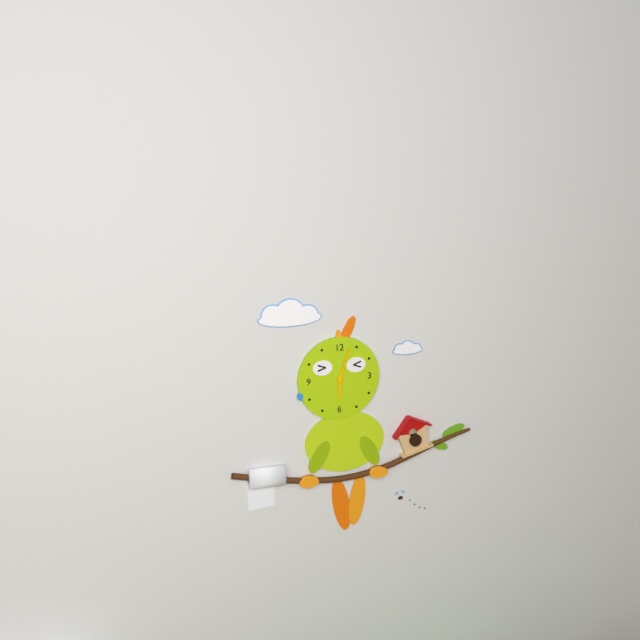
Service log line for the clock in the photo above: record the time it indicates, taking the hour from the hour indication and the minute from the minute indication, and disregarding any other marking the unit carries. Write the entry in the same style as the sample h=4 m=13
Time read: h=6 m=3
